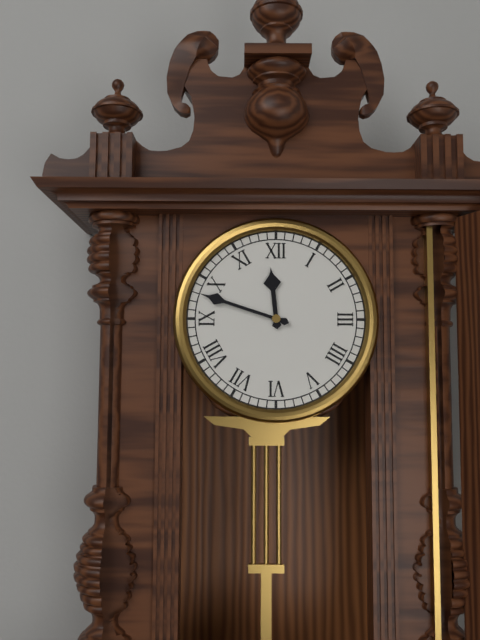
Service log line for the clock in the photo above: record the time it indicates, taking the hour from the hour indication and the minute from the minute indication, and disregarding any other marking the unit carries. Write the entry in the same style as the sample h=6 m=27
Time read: h=11 m=48
